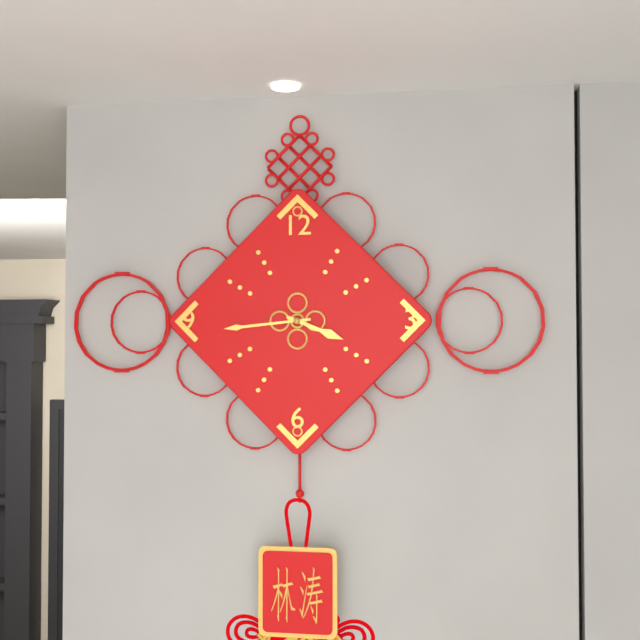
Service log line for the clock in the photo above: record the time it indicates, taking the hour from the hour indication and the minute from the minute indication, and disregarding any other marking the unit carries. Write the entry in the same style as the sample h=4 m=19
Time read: h=3 m=44
